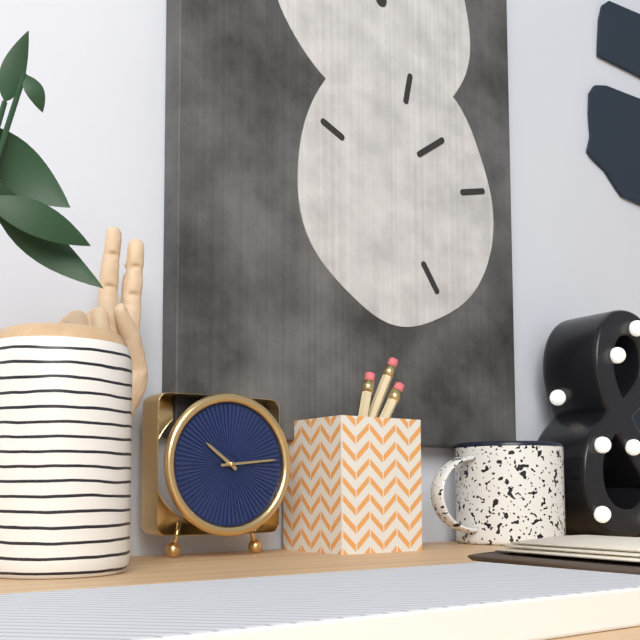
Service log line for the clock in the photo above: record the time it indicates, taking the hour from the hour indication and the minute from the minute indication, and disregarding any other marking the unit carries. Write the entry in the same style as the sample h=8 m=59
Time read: h=10 m=14
